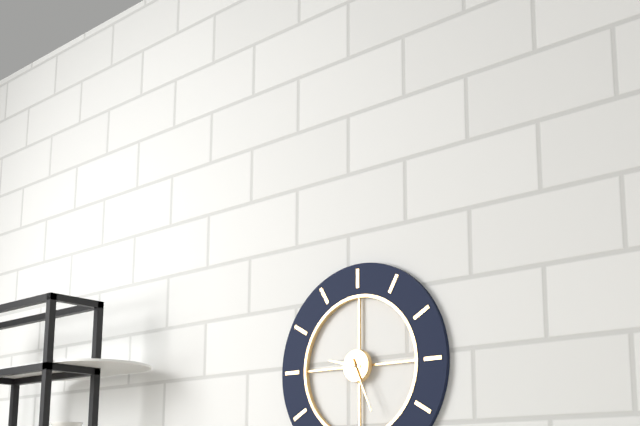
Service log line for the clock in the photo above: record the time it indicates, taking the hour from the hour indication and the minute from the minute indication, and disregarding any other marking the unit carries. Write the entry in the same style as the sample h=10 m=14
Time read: h=9 m=26
